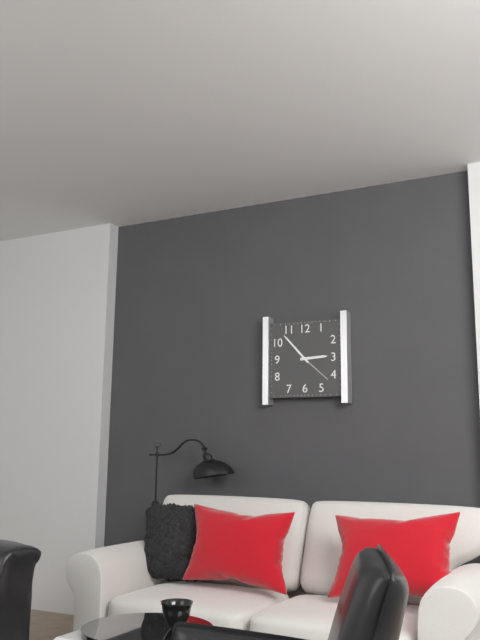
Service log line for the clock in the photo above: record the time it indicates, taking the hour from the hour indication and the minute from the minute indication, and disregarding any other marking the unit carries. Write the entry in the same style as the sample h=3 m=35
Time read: h=2 m=53
